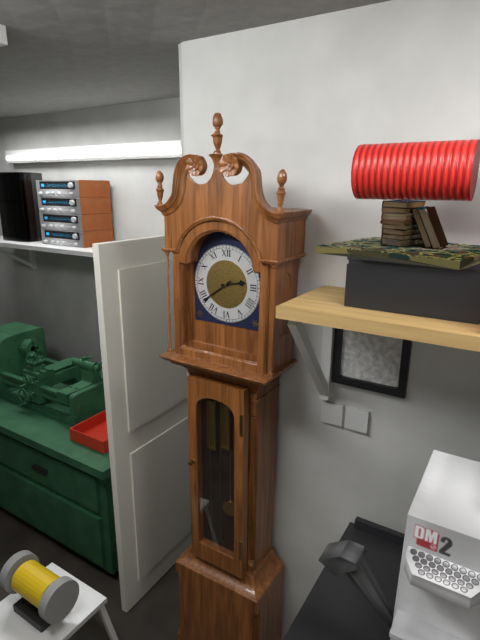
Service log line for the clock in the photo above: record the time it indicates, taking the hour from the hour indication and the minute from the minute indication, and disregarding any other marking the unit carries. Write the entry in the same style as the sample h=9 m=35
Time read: h=2 m=39
